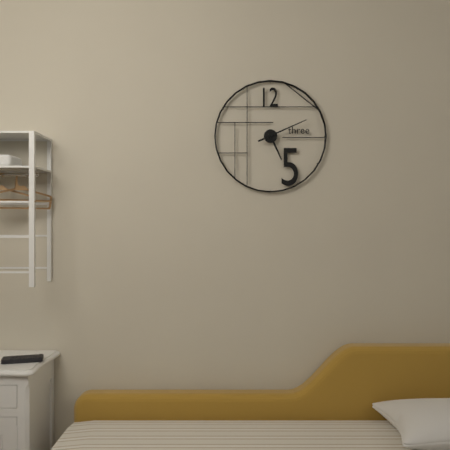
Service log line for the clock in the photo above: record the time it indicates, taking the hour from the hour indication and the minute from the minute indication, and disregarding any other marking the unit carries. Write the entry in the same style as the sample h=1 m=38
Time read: h=5 m=11
